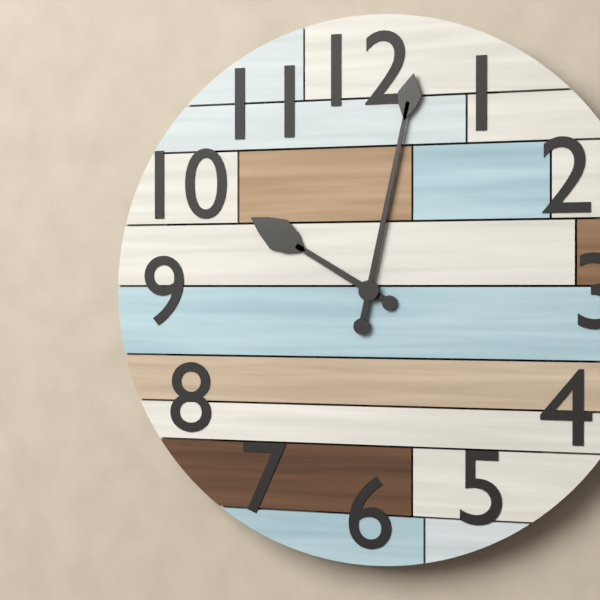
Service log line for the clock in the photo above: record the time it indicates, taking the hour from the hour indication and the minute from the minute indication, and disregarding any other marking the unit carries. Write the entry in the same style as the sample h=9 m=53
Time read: h=10 m=2
